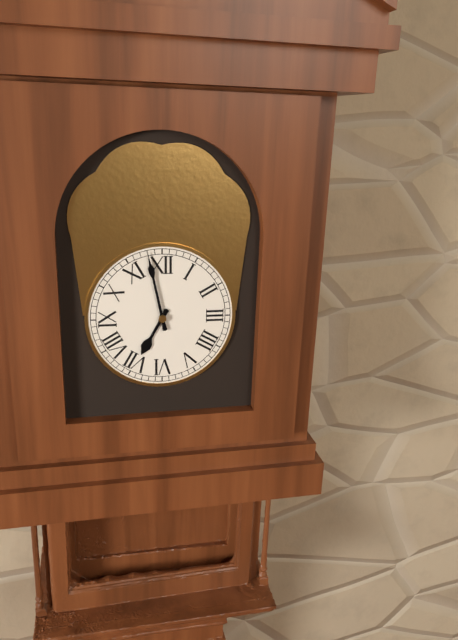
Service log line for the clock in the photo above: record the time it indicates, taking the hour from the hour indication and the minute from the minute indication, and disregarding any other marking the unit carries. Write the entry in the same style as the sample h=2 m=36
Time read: h=6 m=58
